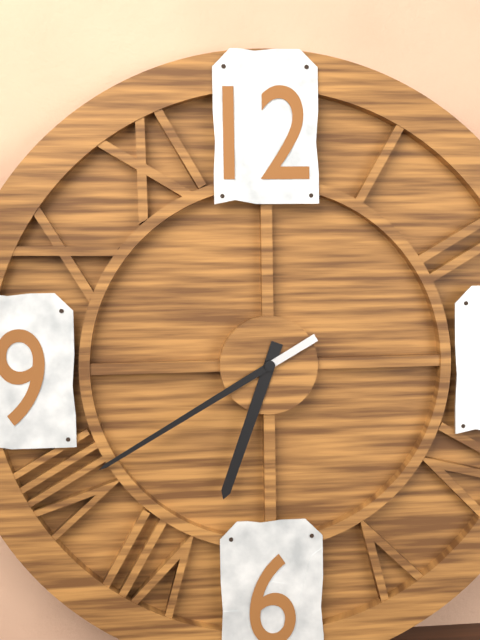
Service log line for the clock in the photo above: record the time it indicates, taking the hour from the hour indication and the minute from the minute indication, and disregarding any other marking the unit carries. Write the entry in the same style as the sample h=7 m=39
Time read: h=6 m=40
